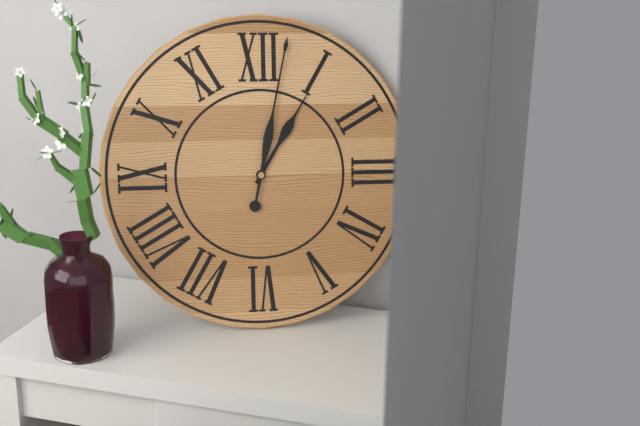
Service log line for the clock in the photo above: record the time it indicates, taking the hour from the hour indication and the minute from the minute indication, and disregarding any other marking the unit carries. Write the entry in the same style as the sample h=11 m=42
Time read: h=1 m=2
